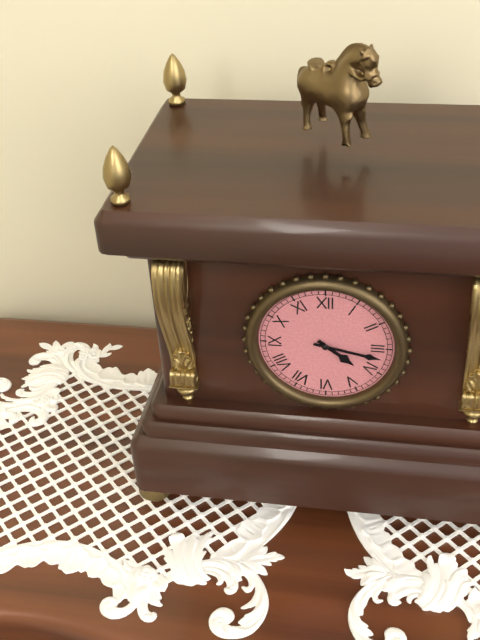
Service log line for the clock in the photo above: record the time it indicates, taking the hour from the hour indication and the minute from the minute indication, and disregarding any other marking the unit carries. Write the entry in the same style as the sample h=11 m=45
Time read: h=4 m=17
